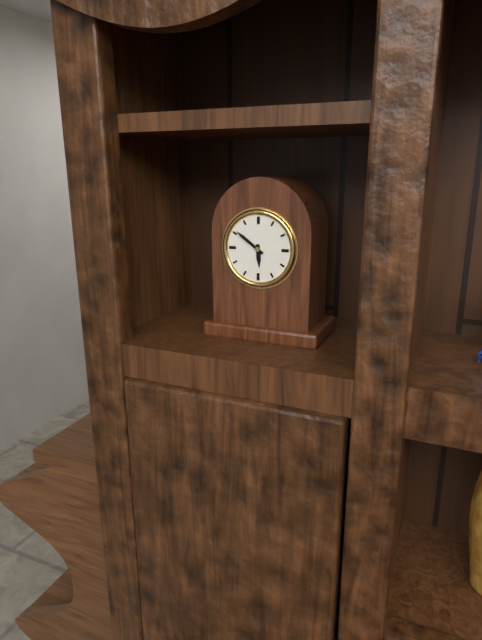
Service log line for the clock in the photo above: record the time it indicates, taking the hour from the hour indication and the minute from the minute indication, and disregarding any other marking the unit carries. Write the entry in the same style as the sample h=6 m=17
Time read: h=5 m=51
